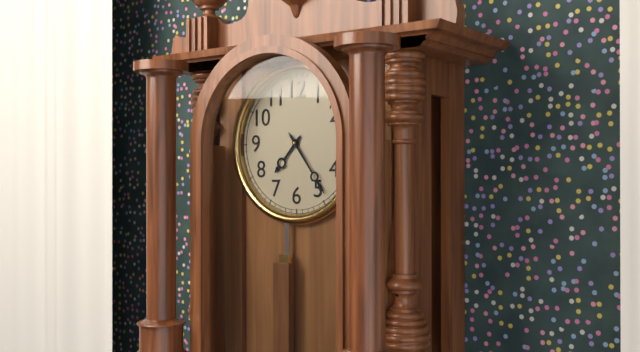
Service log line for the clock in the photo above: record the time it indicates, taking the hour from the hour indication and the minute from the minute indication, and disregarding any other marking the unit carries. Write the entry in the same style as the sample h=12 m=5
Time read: h=7 m=24
